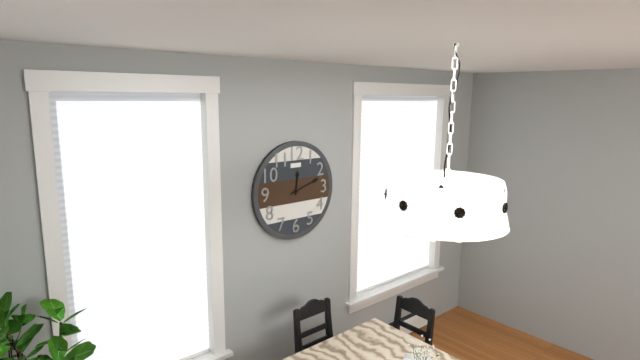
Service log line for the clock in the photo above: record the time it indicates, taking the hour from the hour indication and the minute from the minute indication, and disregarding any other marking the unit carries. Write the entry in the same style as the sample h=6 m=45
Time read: h=12 m=12
